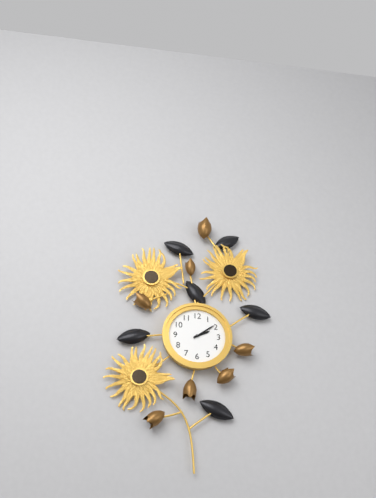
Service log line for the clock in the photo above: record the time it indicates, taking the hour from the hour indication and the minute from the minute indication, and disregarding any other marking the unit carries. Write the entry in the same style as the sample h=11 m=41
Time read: h=2 m=9
